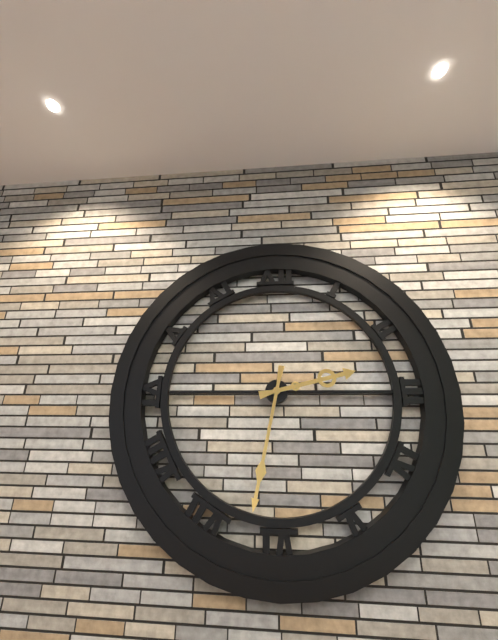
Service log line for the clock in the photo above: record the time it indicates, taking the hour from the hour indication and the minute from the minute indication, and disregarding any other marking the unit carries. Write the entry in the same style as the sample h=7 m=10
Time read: h=2 m=32
